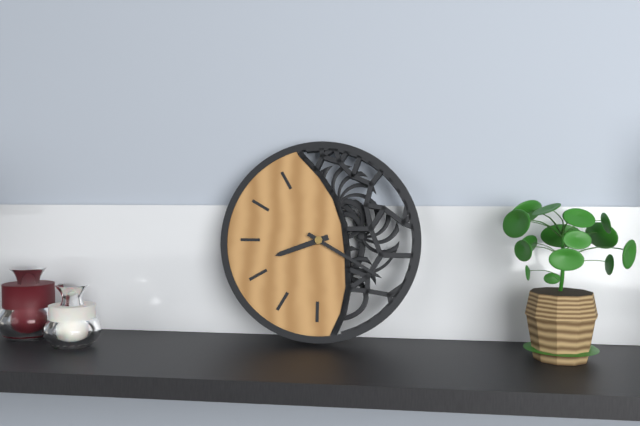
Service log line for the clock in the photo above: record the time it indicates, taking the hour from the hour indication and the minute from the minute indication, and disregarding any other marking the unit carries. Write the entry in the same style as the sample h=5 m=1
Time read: h=8 m=20
